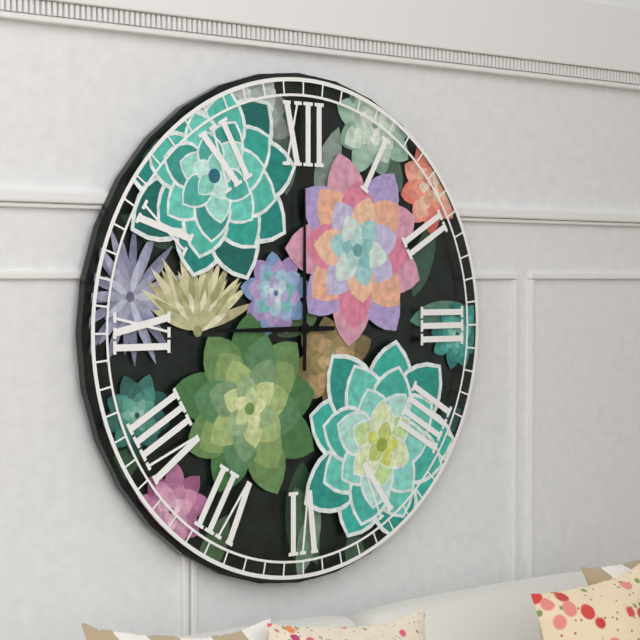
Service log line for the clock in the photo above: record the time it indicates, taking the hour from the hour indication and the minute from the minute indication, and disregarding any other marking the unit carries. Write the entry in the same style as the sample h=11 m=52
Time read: h=9 m=0
